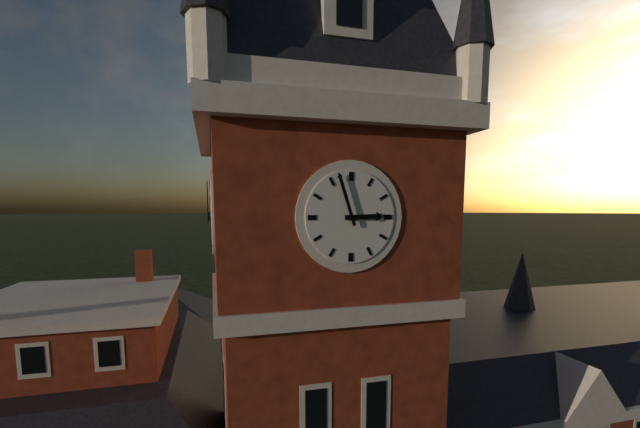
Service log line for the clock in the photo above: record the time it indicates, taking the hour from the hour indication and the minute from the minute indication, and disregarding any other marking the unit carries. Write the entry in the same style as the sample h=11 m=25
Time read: h=2 m=57
